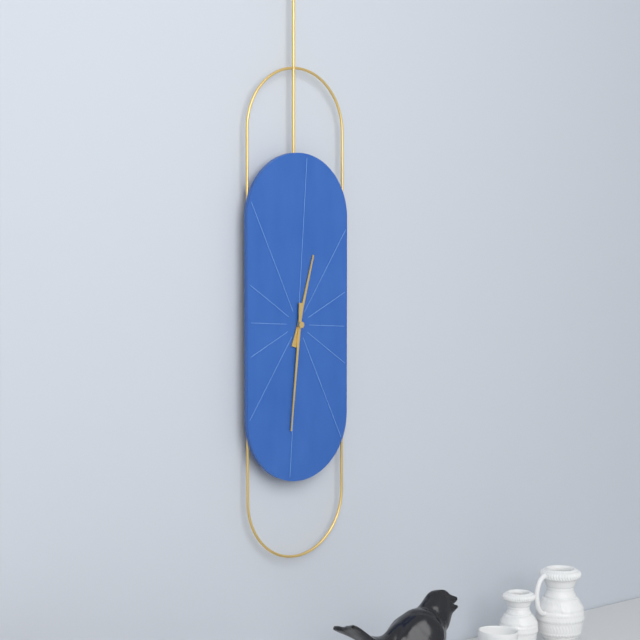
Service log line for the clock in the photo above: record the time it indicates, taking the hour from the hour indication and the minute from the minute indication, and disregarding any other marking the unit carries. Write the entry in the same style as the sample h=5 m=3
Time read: h=12 m=31
